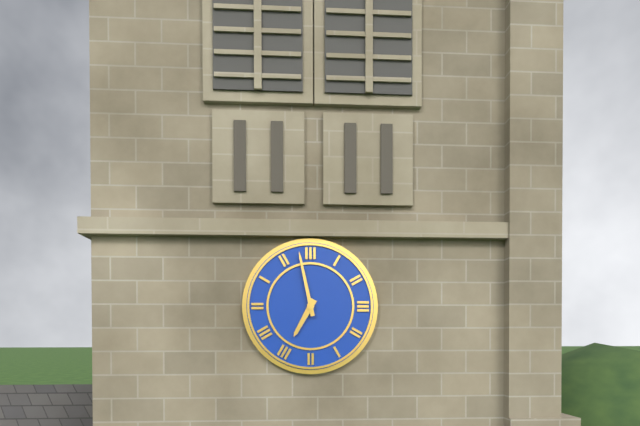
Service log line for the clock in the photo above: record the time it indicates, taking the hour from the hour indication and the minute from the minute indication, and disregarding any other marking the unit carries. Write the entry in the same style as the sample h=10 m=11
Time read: h=6 m=58
